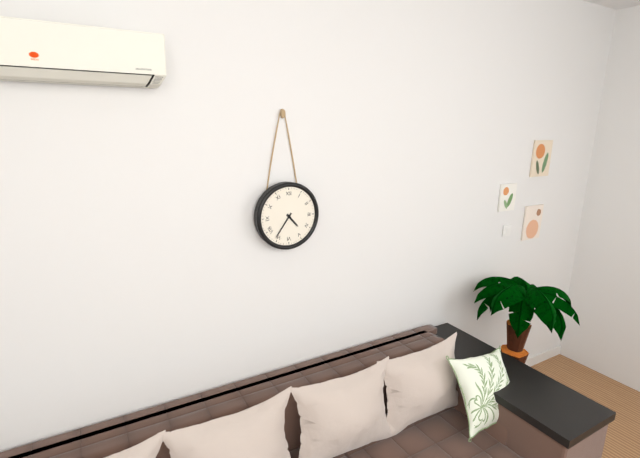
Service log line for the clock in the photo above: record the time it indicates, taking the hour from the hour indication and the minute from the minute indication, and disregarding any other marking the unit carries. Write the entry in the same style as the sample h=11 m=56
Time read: h=4 m=36
